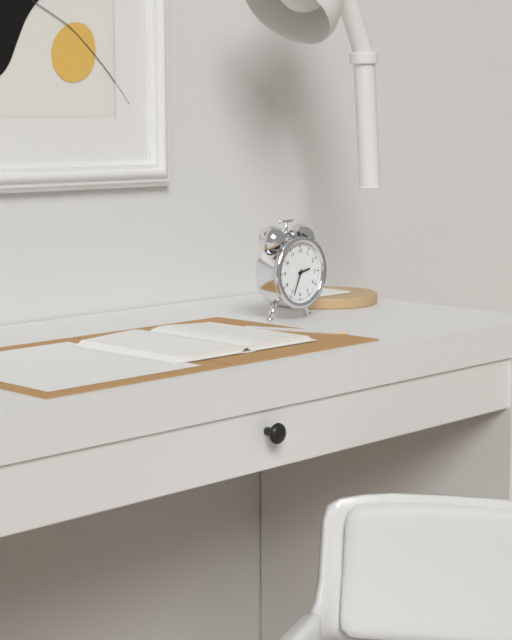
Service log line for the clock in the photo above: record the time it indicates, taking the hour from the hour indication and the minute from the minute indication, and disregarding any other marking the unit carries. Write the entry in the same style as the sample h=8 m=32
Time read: h=2 m=34
